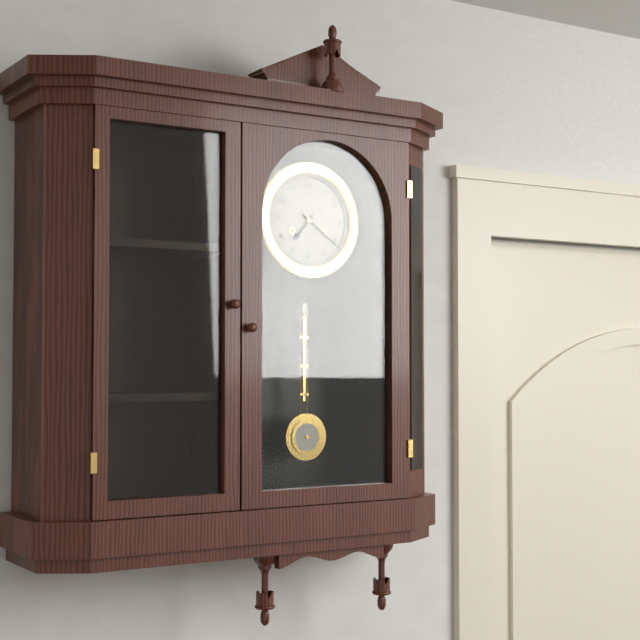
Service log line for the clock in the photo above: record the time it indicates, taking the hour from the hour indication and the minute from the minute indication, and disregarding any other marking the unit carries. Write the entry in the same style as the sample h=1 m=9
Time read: h=7 m=21
